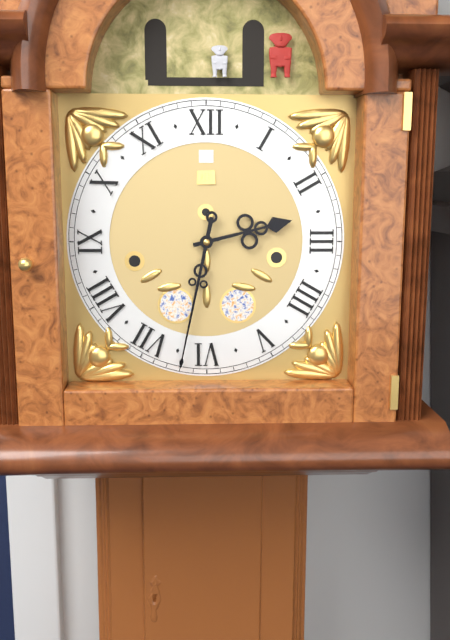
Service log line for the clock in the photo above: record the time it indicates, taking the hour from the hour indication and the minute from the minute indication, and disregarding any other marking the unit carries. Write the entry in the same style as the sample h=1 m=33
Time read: h=2 m=32
